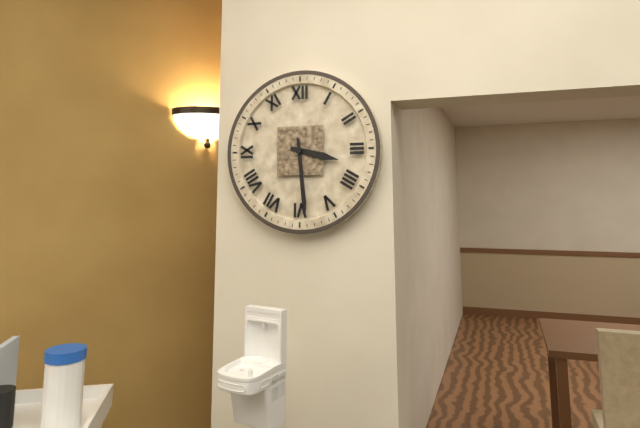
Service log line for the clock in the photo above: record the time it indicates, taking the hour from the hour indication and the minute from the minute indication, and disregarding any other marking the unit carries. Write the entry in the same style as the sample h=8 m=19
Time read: h=3 m=29
